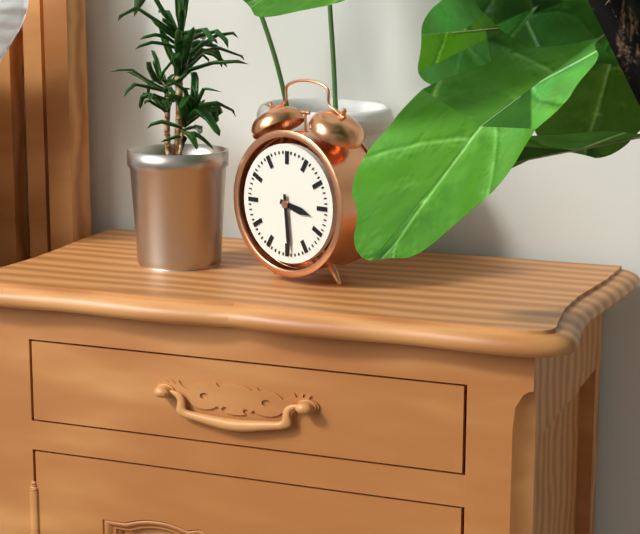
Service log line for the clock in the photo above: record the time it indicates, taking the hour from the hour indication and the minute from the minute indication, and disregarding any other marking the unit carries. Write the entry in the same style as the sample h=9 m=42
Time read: h=3 m=29
